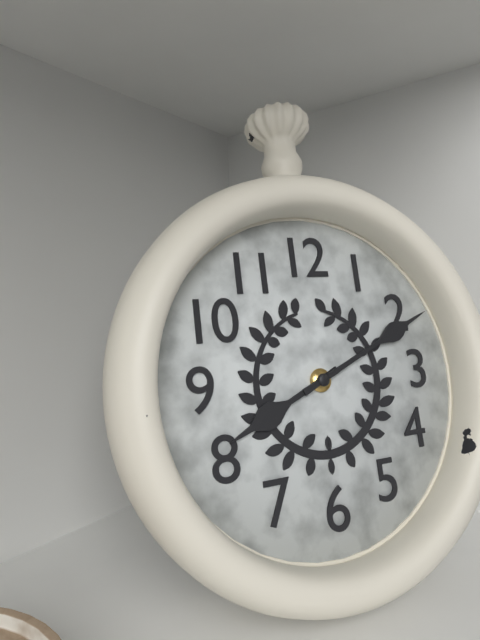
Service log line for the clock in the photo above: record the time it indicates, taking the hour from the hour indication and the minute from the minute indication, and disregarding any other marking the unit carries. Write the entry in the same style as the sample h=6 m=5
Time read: h=8 m=11
